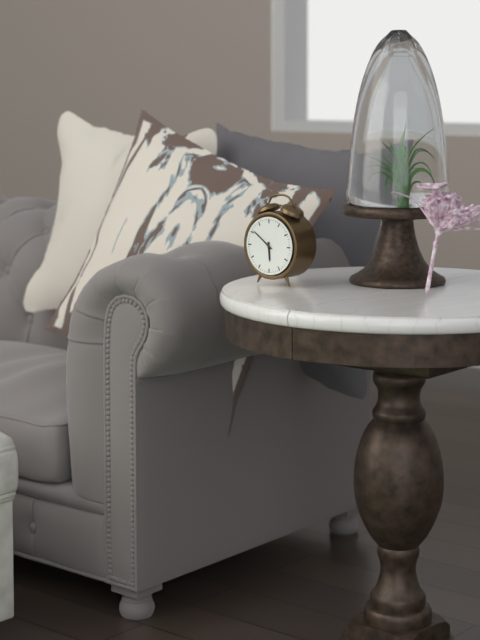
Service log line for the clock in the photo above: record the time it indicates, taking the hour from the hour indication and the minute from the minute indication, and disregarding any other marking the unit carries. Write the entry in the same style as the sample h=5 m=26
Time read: h=5 m=51
